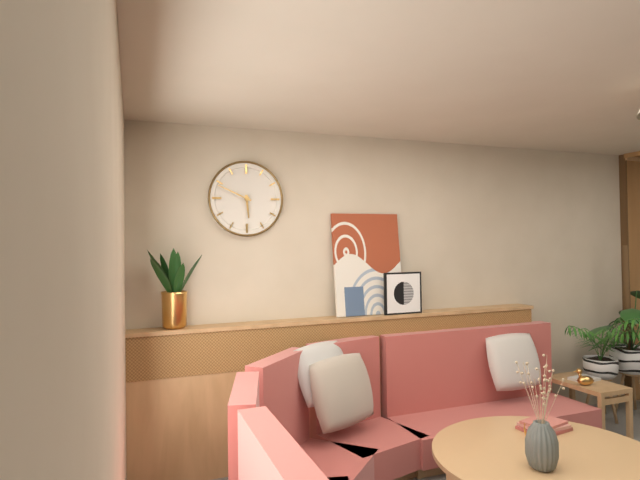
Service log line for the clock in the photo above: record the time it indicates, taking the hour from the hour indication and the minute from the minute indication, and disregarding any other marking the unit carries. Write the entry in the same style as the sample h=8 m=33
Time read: h=5 m=49
